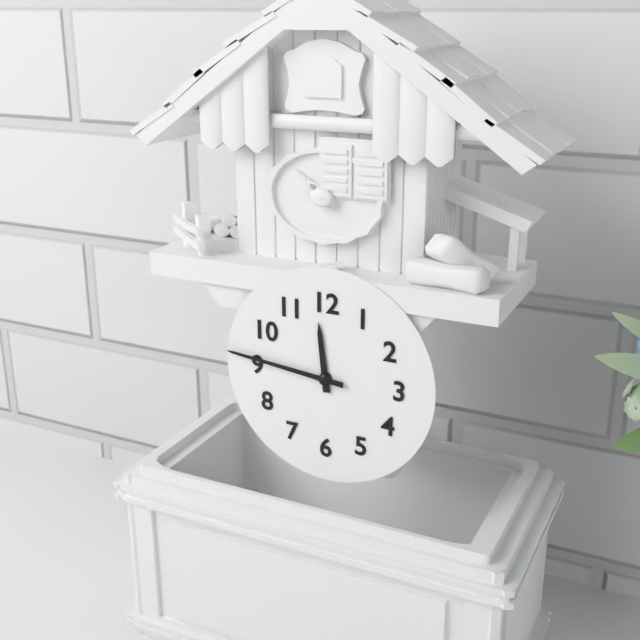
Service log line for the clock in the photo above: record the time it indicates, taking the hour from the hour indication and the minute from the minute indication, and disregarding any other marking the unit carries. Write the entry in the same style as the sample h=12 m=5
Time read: h=11 m=46
